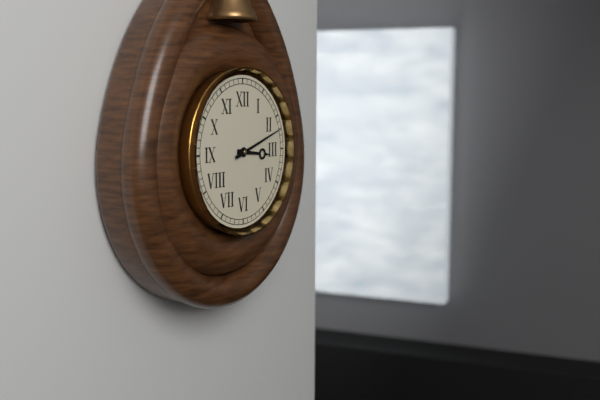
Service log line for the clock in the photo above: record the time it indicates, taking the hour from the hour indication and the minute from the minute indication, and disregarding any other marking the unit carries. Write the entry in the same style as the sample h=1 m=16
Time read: h=3 m=12
